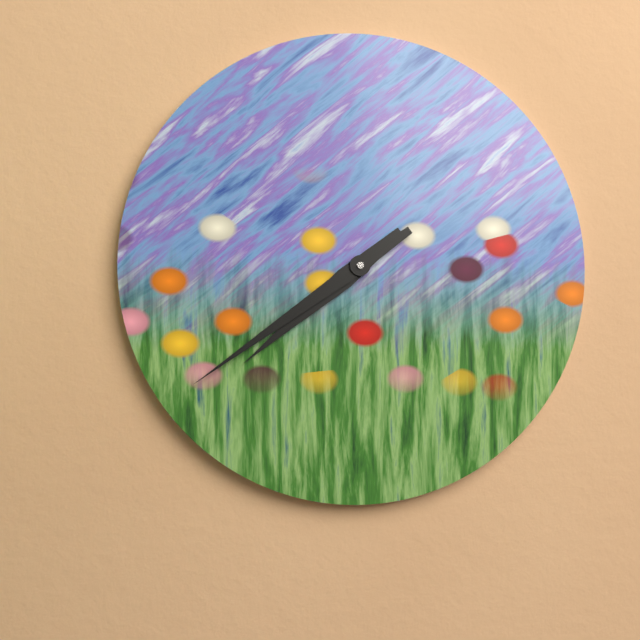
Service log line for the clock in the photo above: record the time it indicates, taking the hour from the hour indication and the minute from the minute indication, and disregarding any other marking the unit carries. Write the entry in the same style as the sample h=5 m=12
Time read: h=7 m=39
